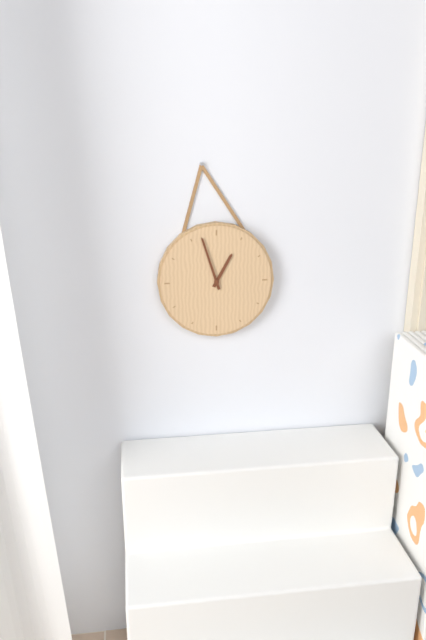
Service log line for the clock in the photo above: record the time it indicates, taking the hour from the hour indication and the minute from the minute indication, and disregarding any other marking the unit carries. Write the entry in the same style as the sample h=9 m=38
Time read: h=12 m=57
